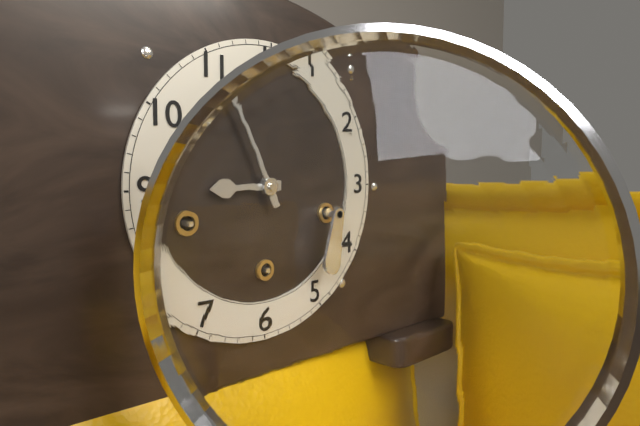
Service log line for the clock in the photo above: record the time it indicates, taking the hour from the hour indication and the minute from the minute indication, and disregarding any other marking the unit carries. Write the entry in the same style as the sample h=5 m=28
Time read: h=8 m=56
